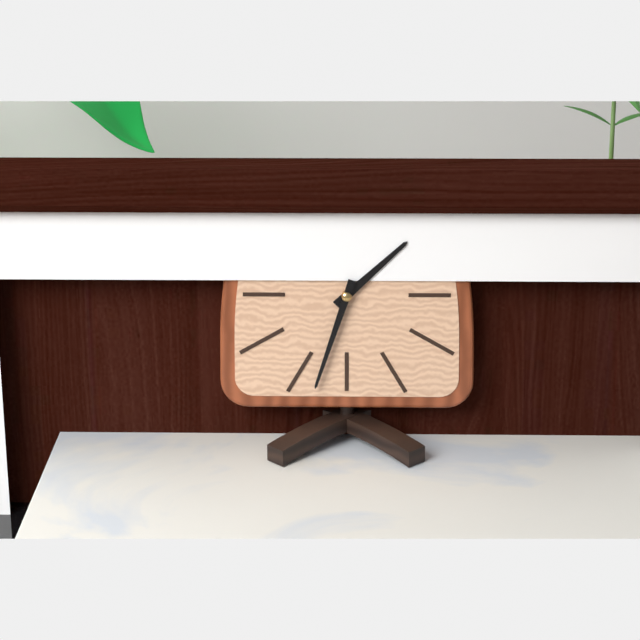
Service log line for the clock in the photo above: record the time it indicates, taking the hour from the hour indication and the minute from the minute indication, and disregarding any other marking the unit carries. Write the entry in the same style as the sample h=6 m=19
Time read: h=1 m=33
